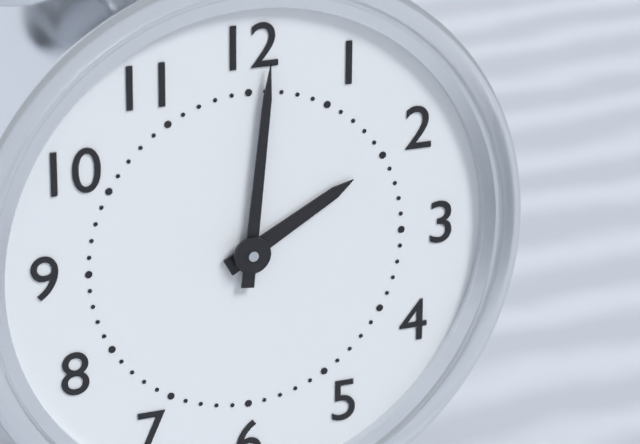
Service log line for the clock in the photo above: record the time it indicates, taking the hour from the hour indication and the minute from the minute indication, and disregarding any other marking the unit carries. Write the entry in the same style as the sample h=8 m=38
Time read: h=2 m=1
